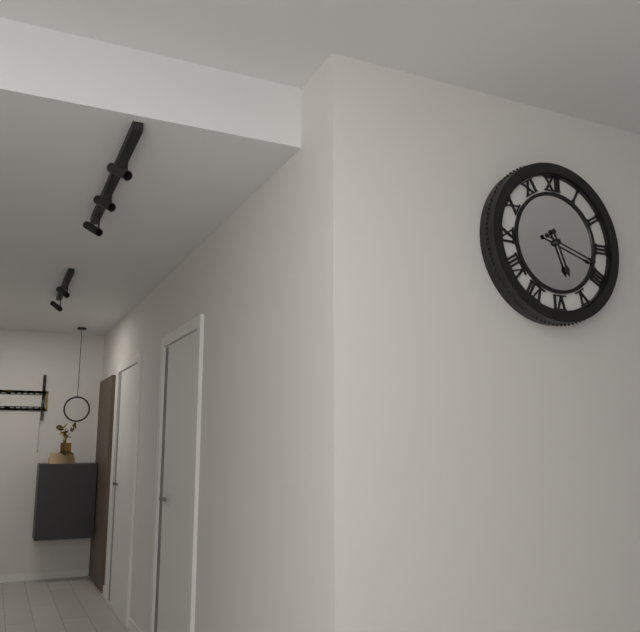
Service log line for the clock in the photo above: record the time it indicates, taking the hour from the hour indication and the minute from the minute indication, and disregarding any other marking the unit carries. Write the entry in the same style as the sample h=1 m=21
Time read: h=5 m=18
